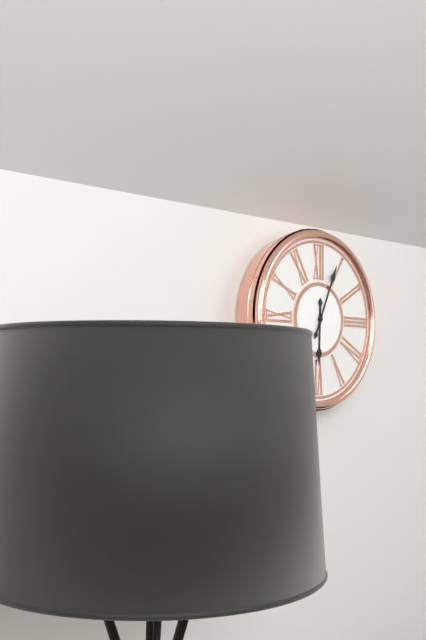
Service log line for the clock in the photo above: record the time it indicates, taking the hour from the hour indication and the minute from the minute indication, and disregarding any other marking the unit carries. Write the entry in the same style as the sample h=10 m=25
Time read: h=6 m=4
